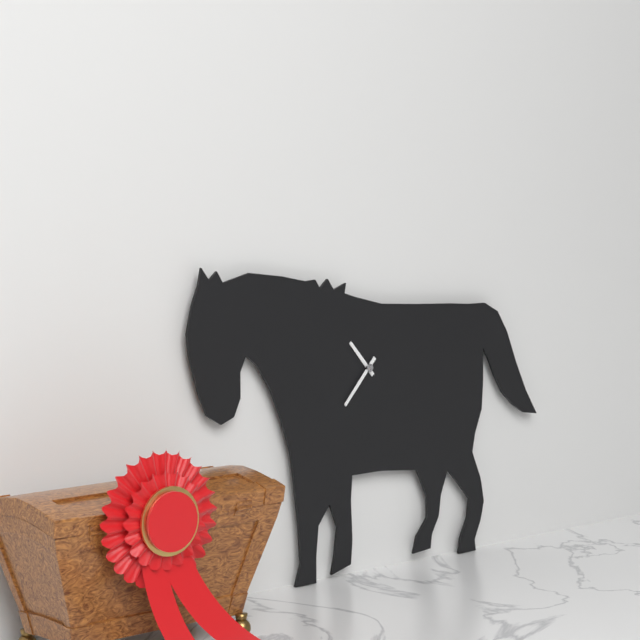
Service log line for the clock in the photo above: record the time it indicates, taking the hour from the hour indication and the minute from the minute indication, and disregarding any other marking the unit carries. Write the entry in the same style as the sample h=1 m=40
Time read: h=10 m=37
